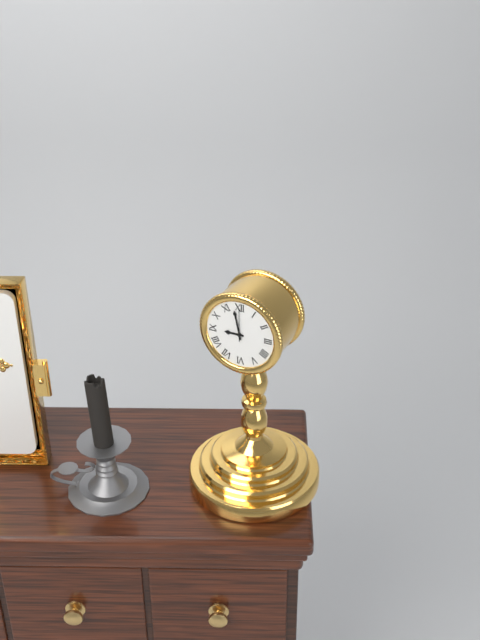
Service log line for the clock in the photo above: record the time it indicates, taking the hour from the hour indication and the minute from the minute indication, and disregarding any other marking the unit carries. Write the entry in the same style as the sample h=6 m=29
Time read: h=8 m=58
